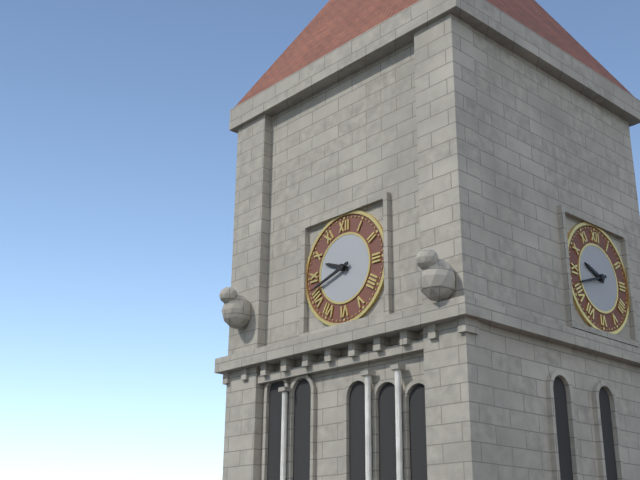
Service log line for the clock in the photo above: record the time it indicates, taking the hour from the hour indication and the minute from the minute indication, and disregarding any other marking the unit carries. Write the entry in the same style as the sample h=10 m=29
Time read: h=9 m=42
